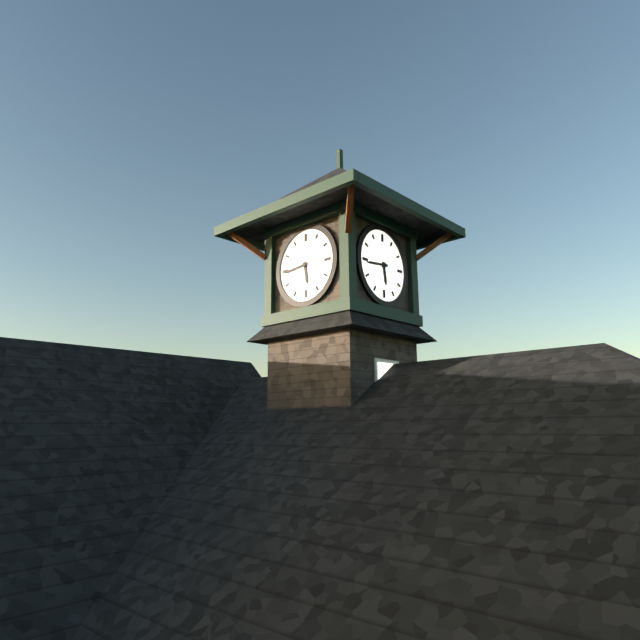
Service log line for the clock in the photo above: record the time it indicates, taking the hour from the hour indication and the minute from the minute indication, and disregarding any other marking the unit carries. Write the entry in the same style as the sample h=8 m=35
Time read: h=5 m=44
